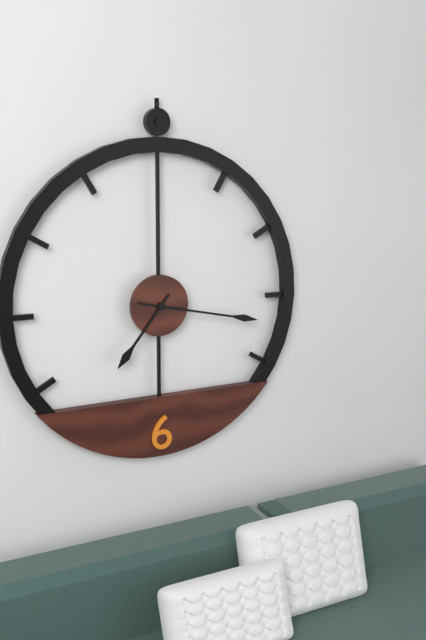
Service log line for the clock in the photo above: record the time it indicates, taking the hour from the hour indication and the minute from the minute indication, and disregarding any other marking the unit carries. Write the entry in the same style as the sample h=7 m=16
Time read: h=7 m=17
